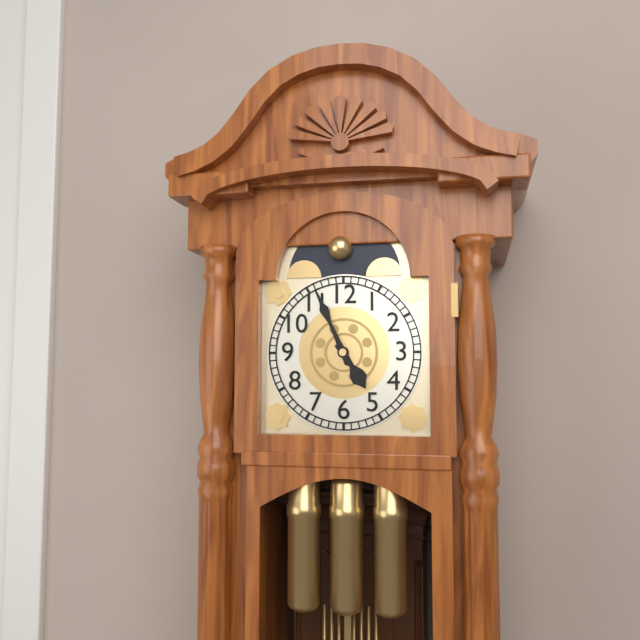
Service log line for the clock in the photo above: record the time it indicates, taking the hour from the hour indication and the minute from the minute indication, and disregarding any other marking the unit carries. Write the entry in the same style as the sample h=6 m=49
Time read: h=4 m=56
